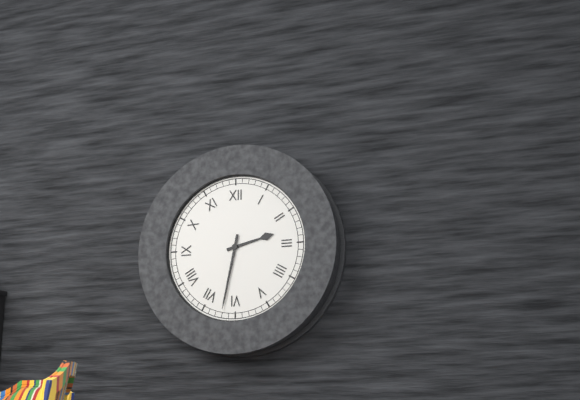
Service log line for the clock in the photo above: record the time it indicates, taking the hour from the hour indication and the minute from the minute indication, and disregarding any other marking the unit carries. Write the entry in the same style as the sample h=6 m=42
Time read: h=2 m=32
